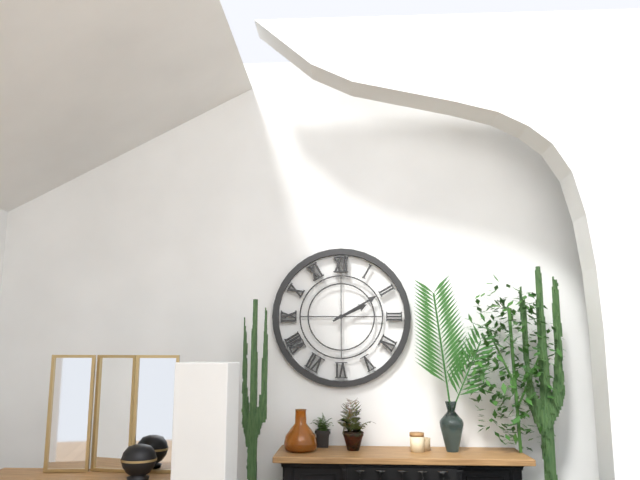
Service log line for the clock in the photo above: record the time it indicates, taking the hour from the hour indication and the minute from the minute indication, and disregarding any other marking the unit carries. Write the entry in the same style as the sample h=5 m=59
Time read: h=2 m=10
